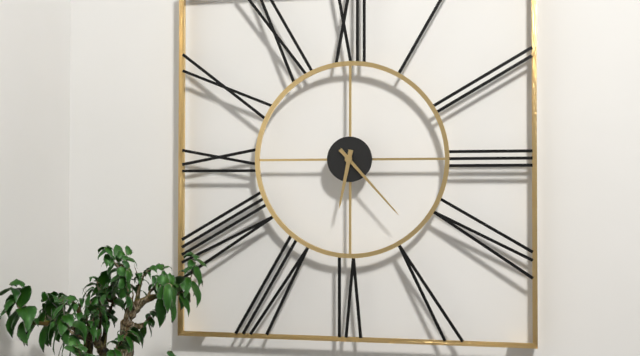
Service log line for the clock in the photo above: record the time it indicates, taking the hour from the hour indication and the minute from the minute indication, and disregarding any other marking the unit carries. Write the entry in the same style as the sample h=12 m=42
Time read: h=6 m=23
